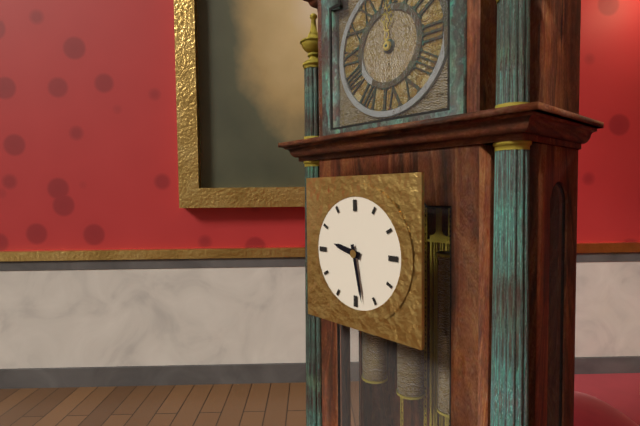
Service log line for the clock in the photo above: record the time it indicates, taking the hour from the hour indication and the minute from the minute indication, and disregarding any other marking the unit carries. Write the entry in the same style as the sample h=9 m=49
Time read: h=9 m=28
